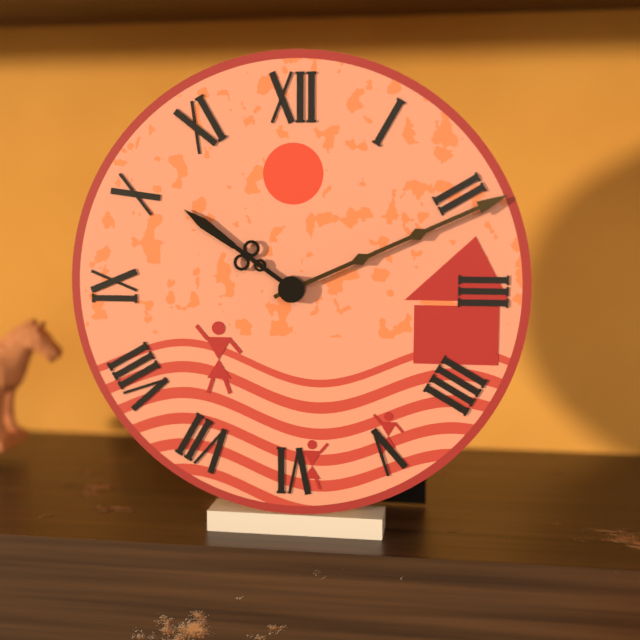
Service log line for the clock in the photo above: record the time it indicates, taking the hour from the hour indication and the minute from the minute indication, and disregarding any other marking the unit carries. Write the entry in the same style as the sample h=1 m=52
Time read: h=10 m=11
